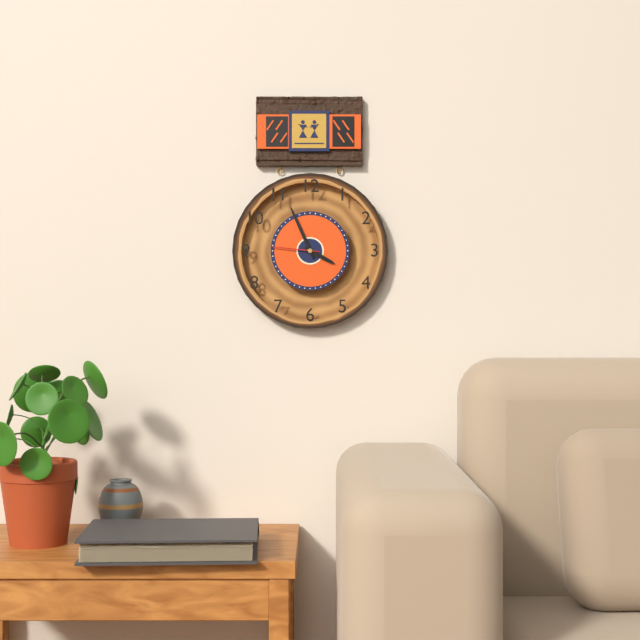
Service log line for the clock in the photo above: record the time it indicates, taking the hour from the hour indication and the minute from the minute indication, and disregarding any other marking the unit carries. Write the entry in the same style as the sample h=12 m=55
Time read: h=3 m=56
